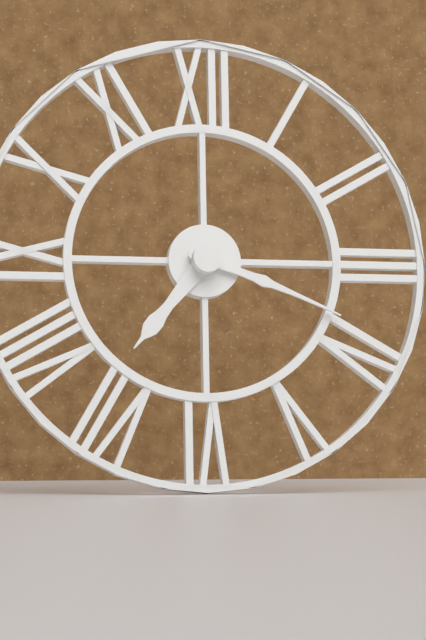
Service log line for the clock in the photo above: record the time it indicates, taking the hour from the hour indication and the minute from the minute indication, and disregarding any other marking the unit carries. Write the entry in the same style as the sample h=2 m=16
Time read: h=7 m=18
